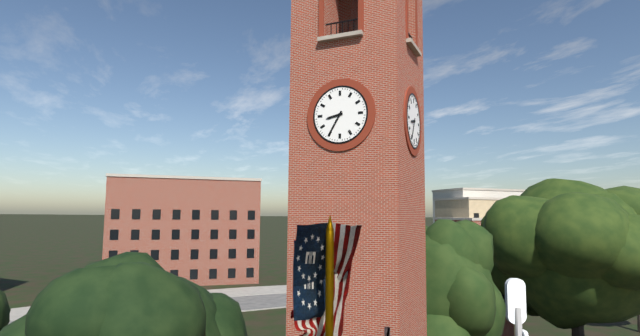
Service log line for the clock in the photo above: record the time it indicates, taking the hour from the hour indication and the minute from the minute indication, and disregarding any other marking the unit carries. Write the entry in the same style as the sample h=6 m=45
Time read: h=8 m=35
